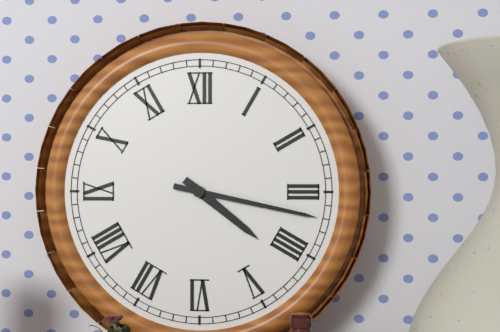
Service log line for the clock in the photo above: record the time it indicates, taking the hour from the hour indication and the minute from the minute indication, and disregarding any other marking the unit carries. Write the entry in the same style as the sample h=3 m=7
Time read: h=4 m=17
